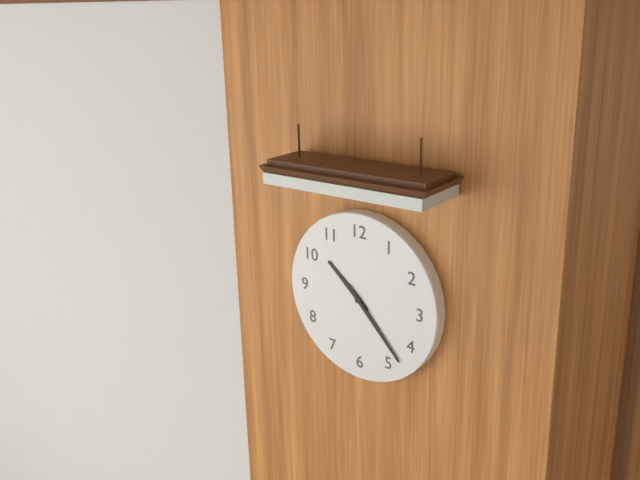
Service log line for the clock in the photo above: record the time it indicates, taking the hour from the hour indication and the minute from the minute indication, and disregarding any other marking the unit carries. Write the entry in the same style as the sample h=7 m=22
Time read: h=10 m=23
